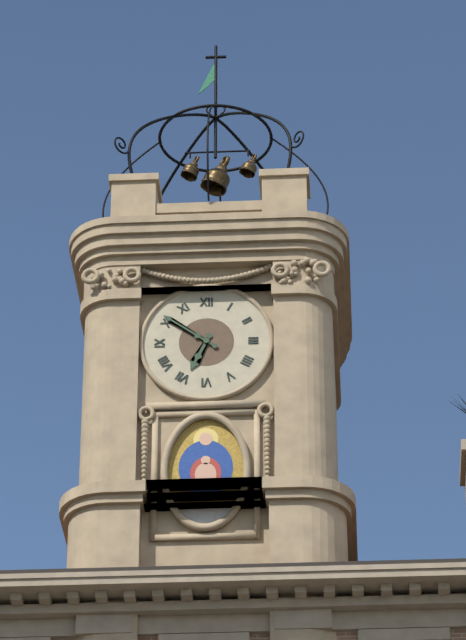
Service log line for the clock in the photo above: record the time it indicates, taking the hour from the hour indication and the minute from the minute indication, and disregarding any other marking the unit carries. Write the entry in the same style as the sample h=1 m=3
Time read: h=6 m=51
